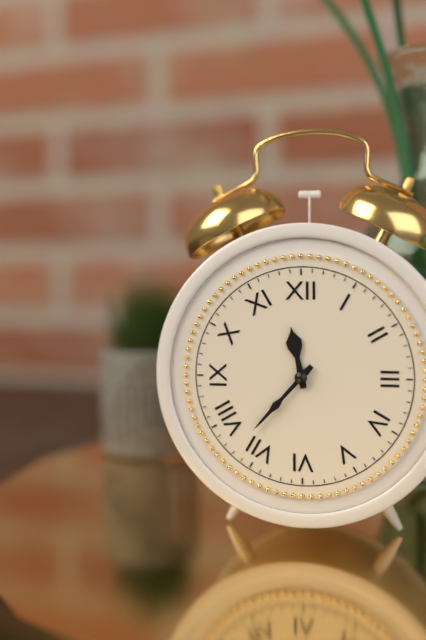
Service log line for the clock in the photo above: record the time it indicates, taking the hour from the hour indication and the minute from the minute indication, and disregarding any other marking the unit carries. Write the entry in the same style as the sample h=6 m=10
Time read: h=11 m=37
